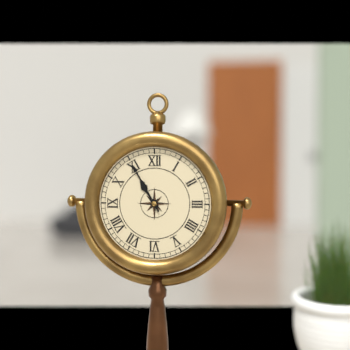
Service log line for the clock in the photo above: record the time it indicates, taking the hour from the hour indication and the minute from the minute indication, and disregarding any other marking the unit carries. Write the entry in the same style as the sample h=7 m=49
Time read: h=10 m=55
